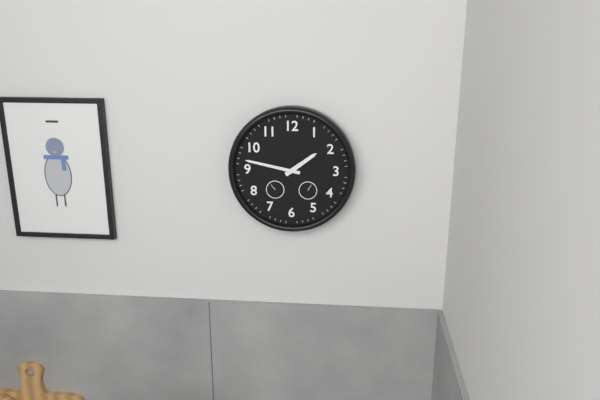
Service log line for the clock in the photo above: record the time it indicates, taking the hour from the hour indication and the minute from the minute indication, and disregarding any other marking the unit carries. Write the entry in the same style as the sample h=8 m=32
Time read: h=1 m=47
